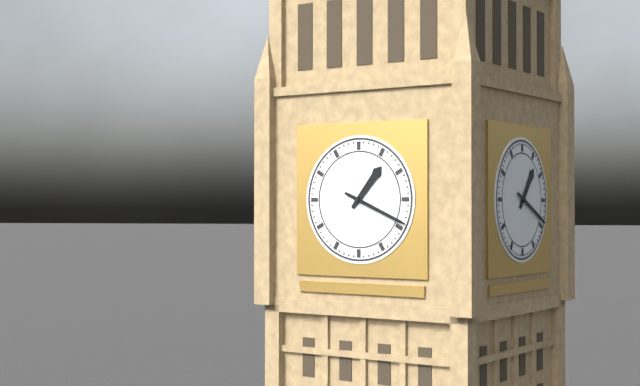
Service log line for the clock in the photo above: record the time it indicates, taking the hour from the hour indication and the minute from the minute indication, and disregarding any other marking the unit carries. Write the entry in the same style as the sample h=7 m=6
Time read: h=1 m=19
